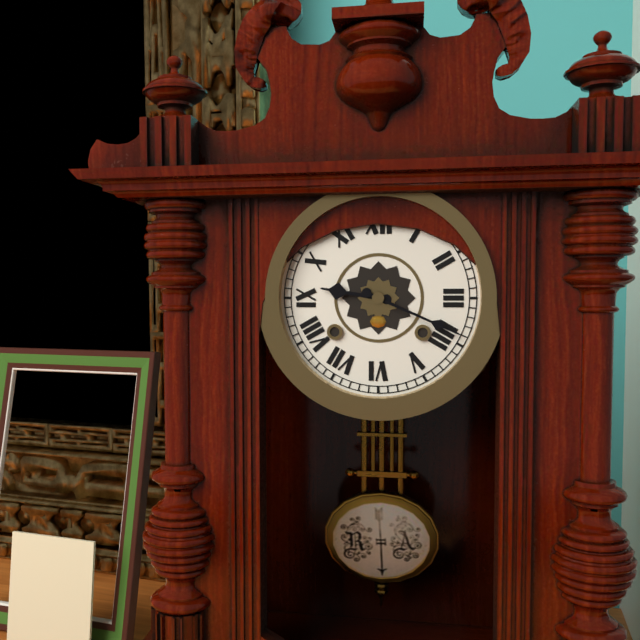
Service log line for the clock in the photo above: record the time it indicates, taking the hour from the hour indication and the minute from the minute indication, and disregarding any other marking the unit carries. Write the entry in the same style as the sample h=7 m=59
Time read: h=9 m=19
